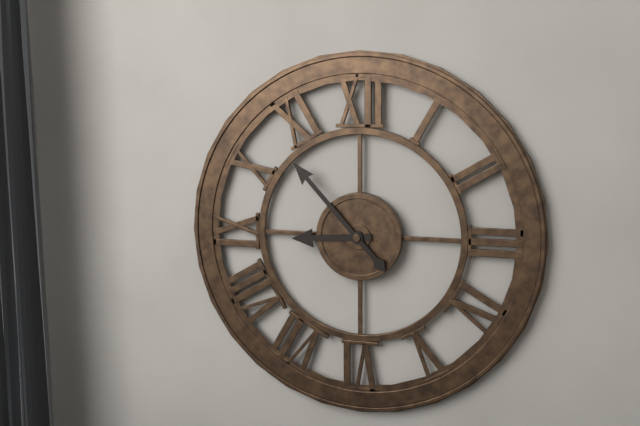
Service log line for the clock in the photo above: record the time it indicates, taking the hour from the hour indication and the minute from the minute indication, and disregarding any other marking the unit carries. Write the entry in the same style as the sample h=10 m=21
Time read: h=8 m=53
